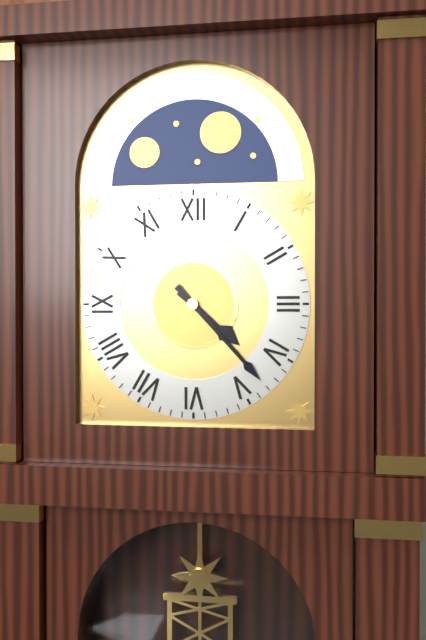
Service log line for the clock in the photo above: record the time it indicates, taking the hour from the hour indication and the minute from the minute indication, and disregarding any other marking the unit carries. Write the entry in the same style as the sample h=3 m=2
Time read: h=4 m=23
